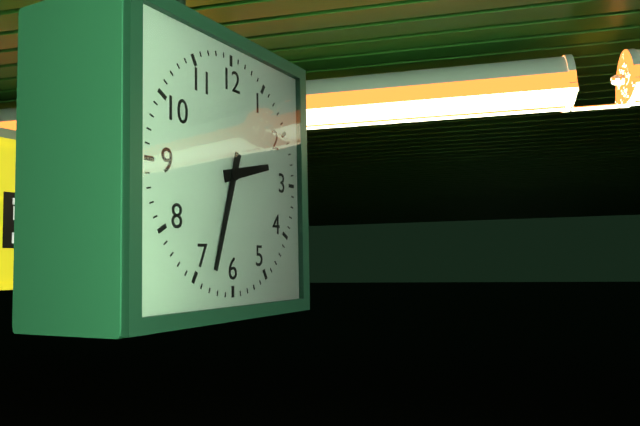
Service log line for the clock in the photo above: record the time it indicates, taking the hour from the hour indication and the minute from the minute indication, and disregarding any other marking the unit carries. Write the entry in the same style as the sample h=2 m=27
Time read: h=2 m=33
